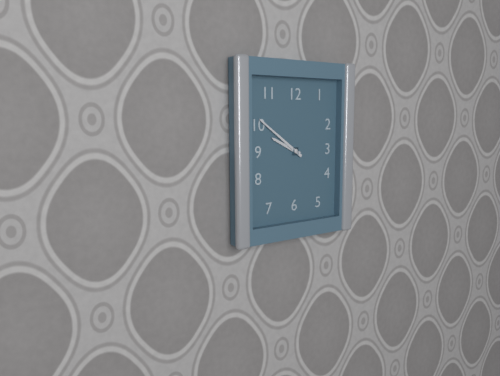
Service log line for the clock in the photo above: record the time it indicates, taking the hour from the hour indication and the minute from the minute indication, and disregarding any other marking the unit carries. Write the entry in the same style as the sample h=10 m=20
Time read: h=9 m=51
